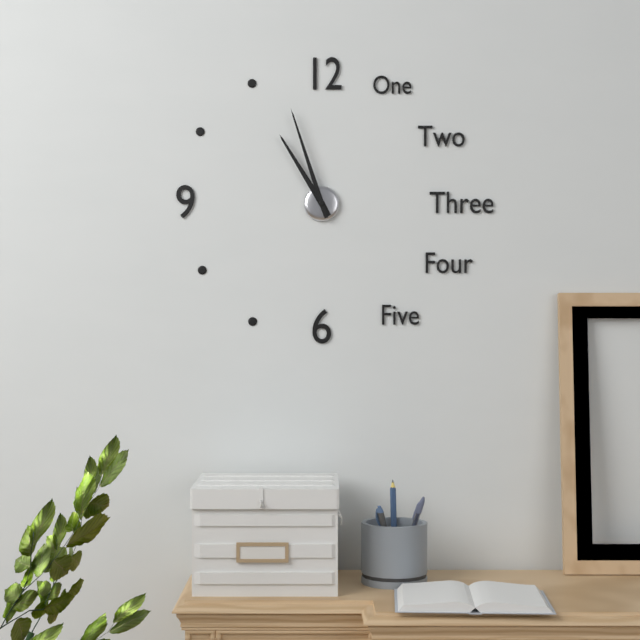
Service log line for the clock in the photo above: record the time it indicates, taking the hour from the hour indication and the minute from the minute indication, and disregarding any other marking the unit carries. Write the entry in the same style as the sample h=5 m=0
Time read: h=10 m=57
